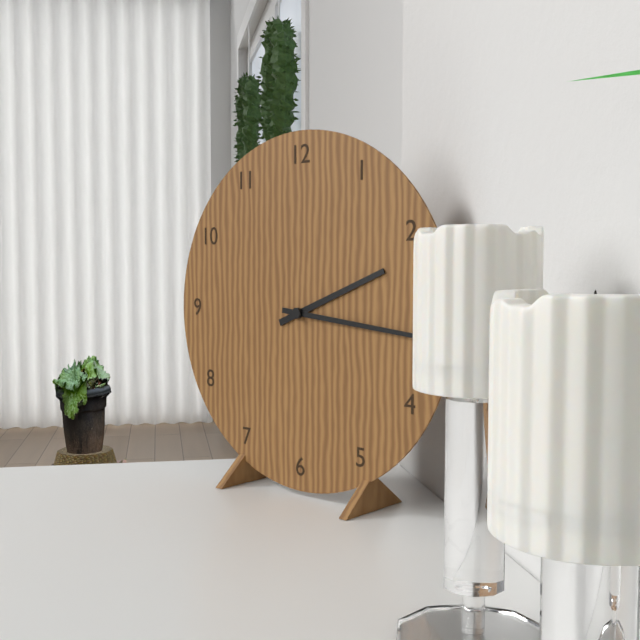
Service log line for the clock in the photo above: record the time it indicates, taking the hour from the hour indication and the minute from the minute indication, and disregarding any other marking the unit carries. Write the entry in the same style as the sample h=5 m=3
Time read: h=2 m=16
